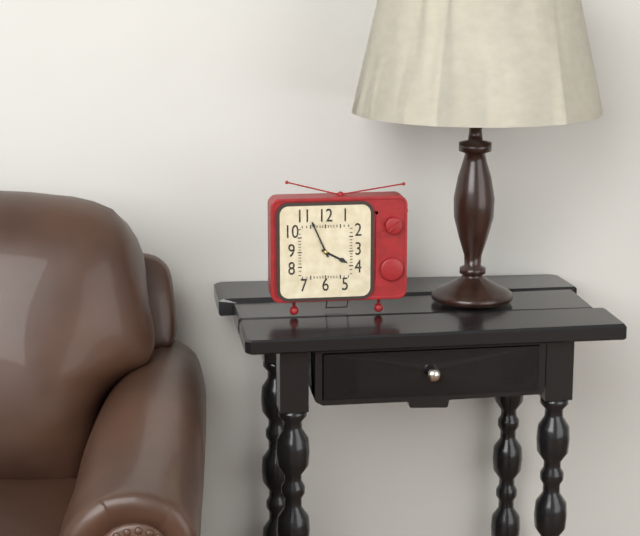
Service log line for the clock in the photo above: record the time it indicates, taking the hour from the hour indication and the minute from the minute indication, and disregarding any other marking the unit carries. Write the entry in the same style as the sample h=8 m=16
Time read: h=3 m=56
